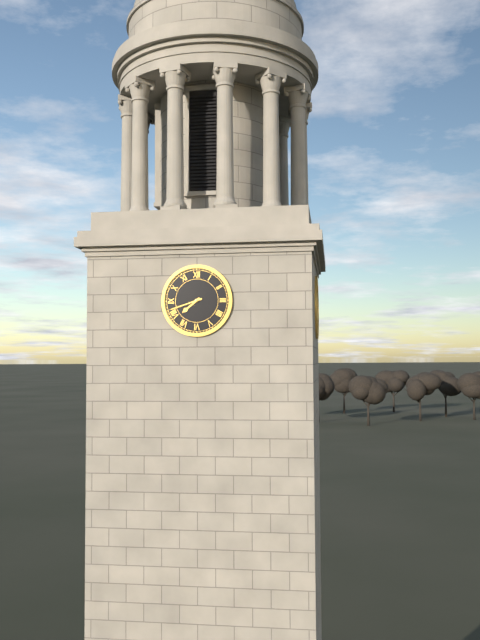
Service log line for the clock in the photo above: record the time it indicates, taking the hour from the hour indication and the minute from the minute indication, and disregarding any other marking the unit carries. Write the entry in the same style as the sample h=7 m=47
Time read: h=7 m=42
